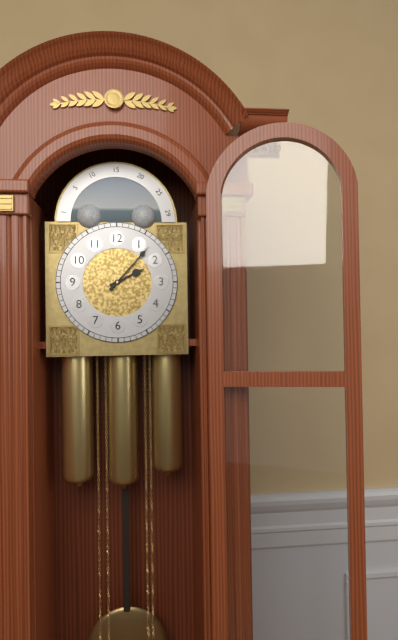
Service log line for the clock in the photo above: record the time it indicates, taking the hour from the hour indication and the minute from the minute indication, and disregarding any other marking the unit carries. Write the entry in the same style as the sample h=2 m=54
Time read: h=2 m=7
